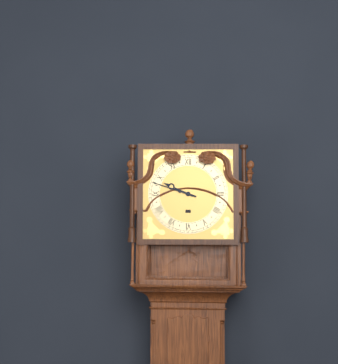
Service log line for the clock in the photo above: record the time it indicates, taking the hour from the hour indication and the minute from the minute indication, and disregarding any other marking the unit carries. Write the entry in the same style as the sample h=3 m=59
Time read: h=9 m=48
